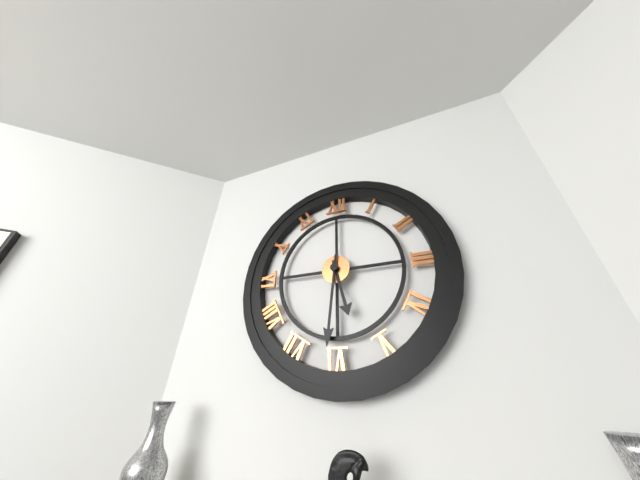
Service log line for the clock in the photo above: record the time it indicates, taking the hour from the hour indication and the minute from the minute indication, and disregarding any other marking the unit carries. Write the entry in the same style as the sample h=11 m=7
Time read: h=5 m=31
